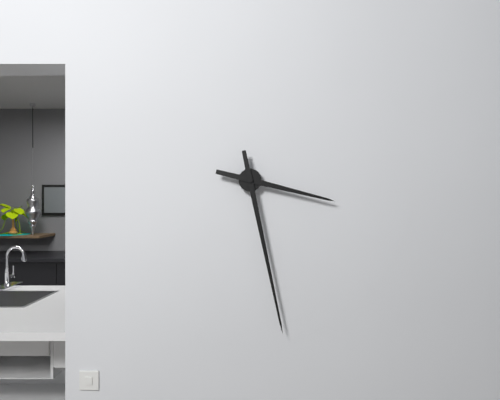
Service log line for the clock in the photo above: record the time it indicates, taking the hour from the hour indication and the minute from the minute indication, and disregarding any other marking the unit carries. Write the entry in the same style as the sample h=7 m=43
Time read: h=3 m=28
